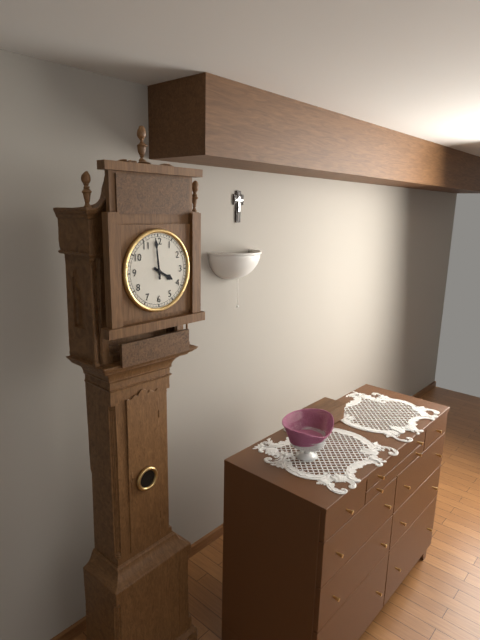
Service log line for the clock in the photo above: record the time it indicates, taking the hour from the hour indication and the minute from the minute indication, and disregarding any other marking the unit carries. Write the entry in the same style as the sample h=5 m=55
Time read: h=3 m=59
